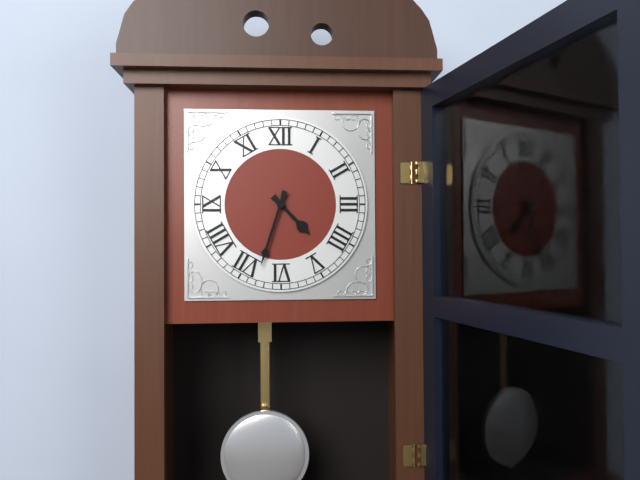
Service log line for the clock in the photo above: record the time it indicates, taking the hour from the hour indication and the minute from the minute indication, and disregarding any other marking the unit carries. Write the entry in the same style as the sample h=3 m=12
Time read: h=4 m=33
